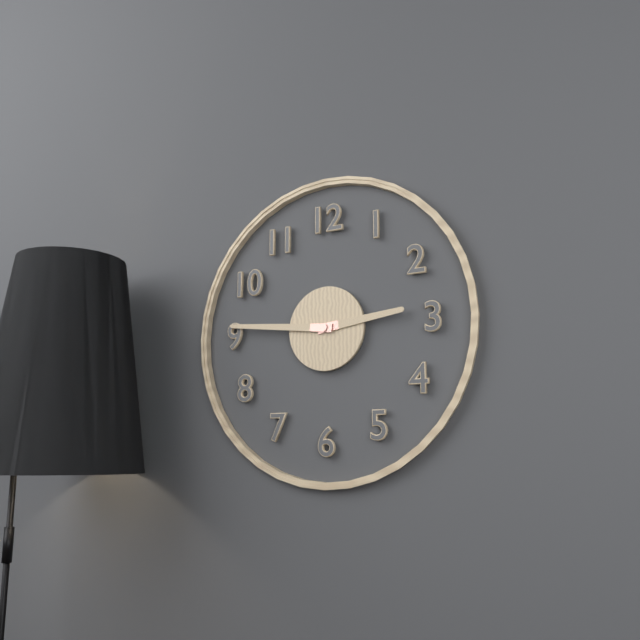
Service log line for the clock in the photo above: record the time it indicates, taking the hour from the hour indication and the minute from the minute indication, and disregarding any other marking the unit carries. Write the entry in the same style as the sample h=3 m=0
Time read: h=2 m=46
